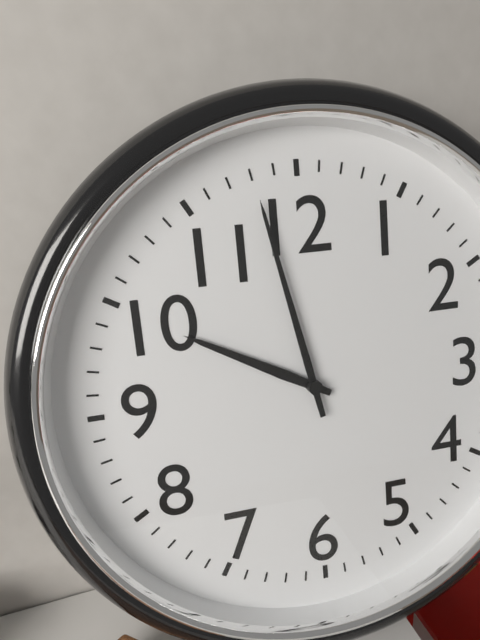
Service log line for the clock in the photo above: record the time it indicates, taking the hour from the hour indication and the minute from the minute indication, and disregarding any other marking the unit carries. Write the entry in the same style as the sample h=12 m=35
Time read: h=9 m=58
